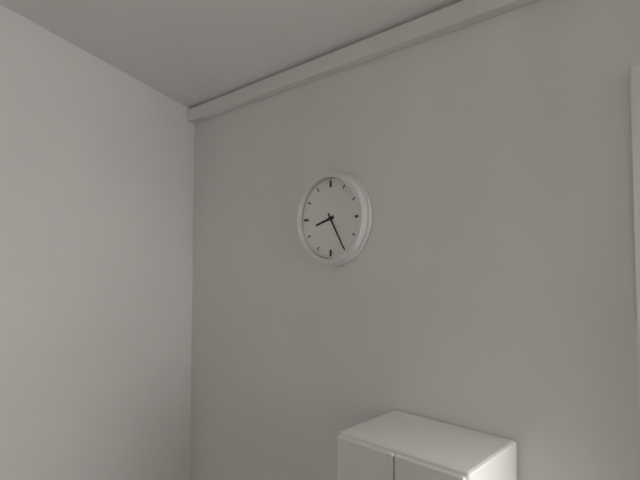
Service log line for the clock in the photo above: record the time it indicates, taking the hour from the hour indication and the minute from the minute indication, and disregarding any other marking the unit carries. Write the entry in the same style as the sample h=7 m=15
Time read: h=8 m=25
